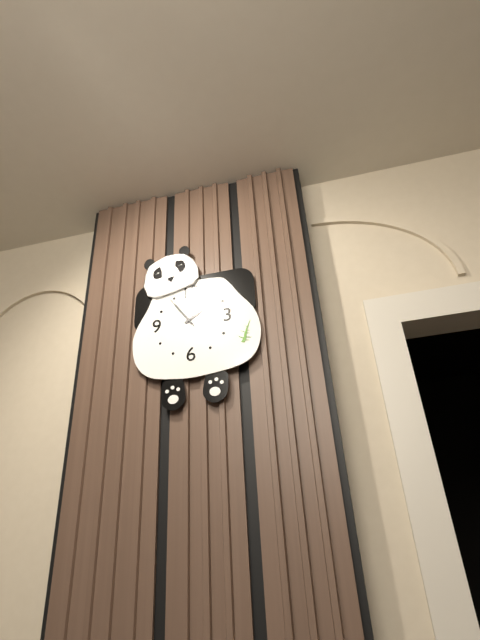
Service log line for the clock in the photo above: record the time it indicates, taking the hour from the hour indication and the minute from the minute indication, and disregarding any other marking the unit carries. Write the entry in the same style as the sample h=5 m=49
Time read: h=1 m=54
